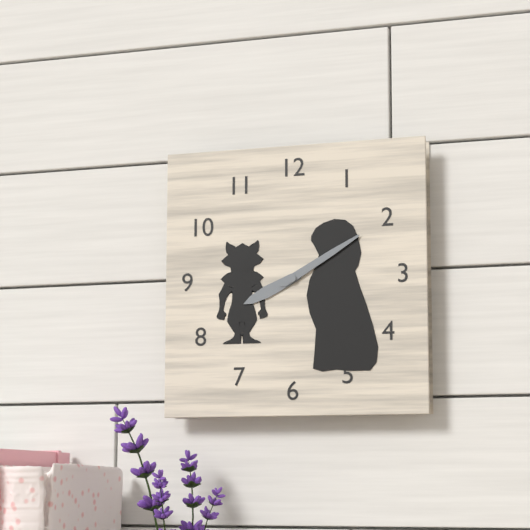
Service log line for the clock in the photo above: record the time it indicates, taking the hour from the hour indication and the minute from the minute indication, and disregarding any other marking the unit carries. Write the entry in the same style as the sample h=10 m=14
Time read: h=8 m=10
